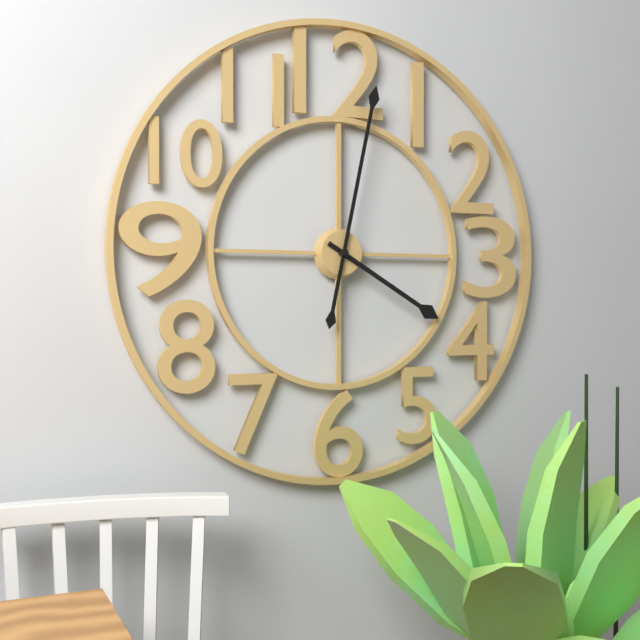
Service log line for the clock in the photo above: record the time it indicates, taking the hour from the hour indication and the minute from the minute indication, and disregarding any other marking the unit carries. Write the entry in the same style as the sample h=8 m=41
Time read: h=4 m=2
